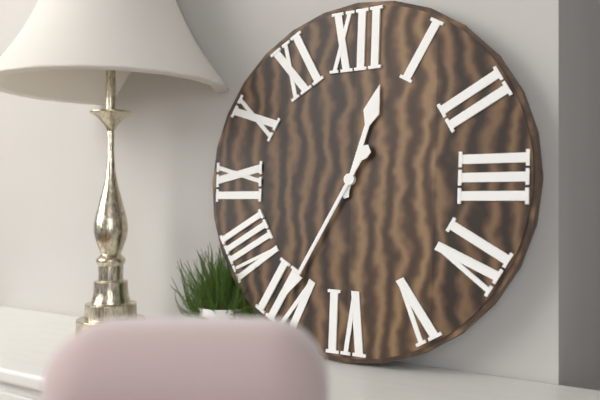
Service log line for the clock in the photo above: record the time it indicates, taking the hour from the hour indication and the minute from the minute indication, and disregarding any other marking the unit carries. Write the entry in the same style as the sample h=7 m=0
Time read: h=12 m=35
